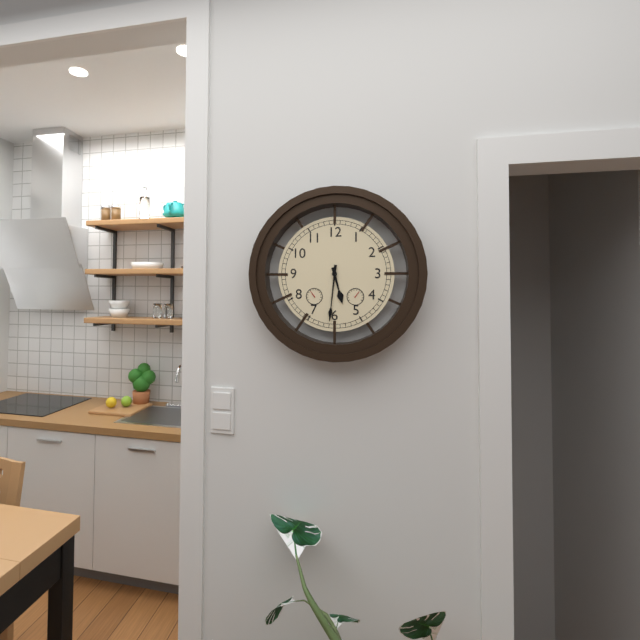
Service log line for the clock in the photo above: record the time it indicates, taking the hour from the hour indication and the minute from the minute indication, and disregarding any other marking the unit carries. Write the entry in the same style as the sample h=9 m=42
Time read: h=5 m=31
